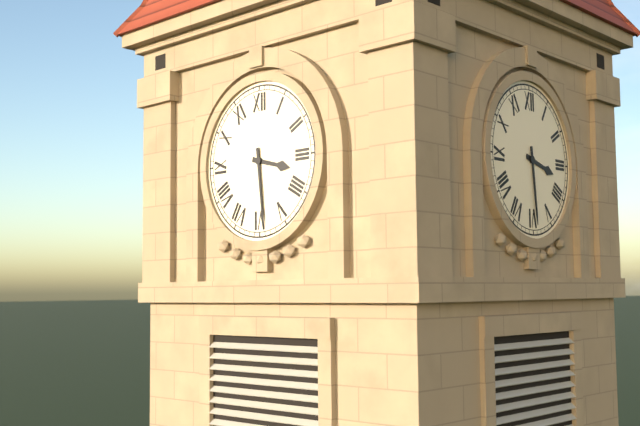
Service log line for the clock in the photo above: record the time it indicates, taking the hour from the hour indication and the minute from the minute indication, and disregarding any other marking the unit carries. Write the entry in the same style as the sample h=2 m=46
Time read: h=3 m=29
